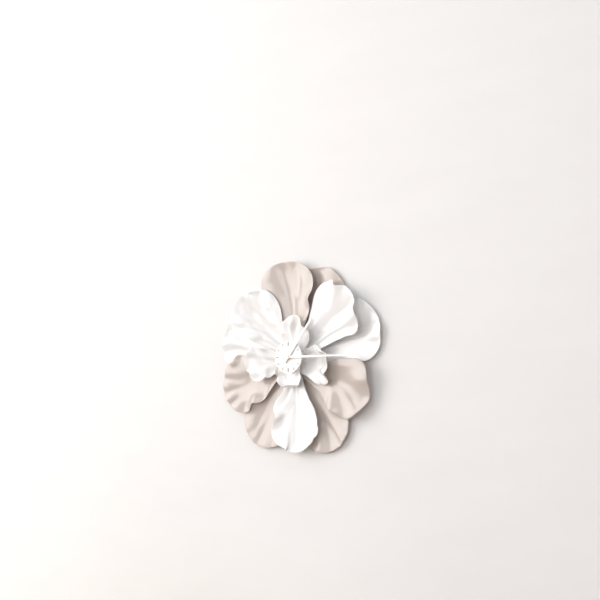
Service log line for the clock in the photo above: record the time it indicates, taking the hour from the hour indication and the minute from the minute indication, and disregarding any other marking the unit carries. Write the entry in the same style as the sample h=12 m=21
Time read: h=1 m=15
